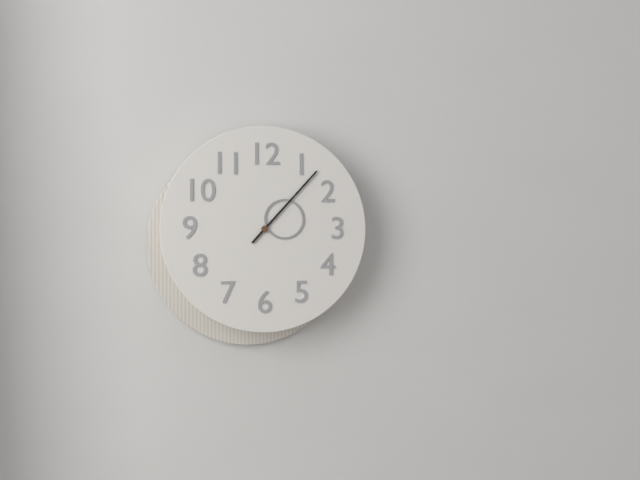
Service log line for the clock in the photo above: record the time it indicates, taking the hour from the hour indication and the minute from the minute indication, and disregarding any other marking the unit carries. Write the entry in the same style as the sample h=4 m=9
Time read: h=2 m=7
